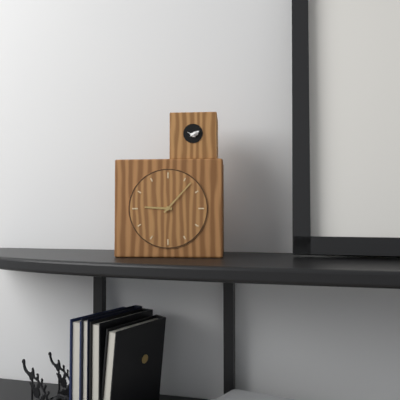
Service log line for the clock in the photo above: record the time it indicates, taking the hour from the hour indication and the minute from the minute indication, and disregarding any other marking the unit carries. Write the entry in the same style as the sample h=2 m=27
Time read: h=9 m=7
